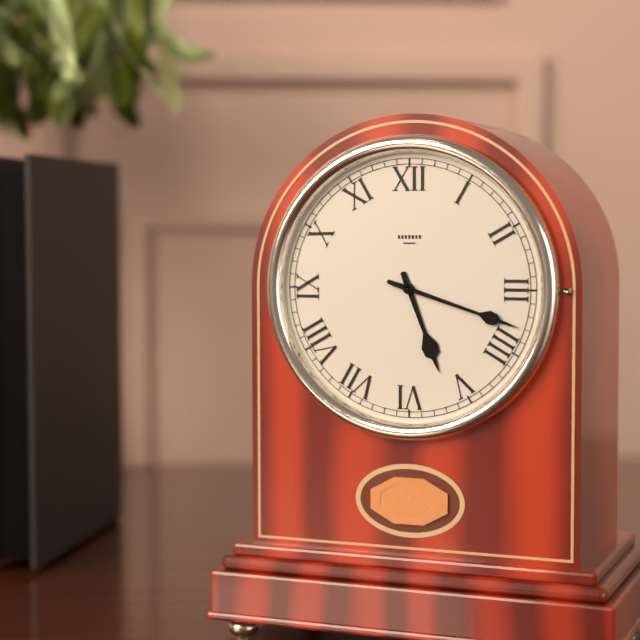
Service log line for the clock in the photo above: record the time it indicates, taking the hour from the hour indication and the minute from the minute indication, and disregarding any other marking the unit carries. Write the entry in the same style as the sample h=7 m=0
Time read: h=5 m=18
